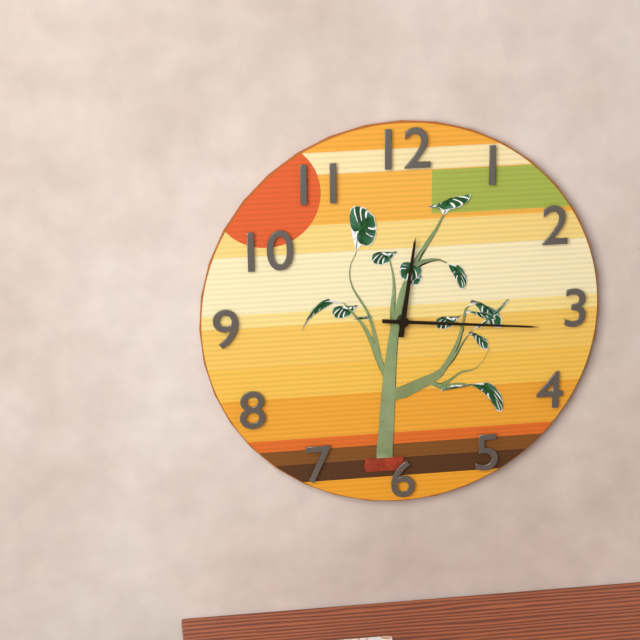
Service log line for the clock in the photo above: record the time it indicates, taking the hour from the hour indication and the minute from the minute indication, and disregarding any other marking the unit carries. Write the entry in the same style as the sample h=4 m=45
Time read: h=12 m=16
